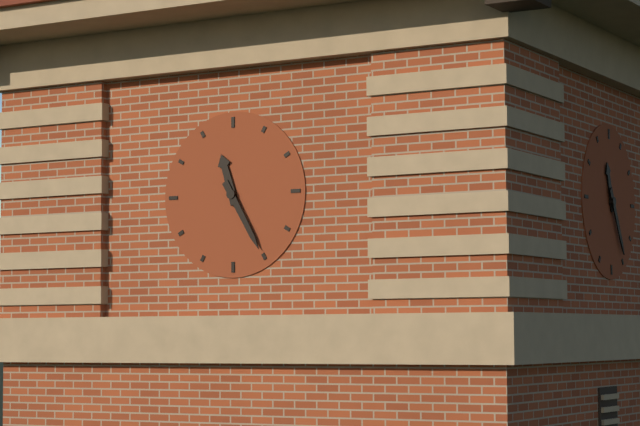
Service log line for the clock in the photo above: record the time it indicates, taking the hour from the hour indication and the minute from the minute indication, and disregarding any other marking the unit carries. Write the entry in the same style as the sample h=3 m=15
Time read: h=11 m=25
